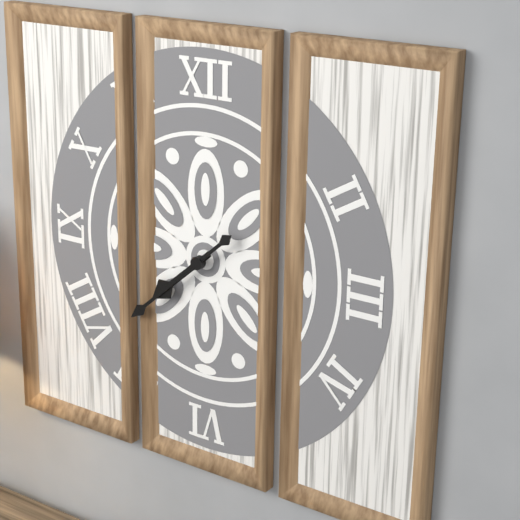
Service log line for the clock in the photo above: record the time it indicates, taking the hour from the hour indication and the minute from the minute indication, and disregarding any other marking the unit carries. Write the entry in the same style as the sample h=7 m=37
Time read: h=7 m=38
